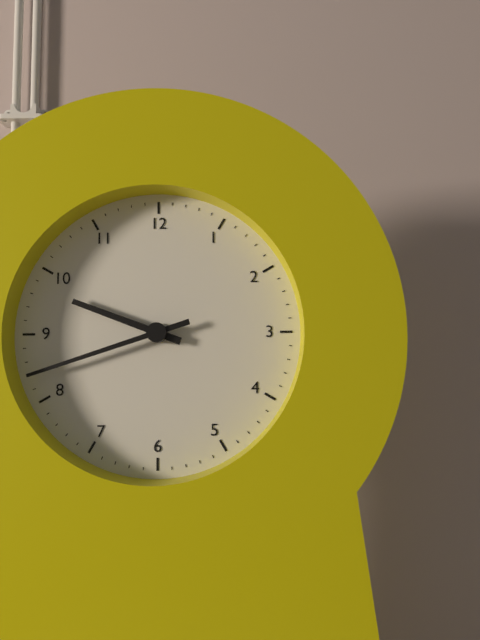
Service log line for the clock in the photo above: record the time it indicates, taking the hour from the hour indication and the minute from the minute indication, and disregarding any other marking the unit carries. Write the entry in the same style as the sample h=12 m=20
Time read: h=9 m=42
